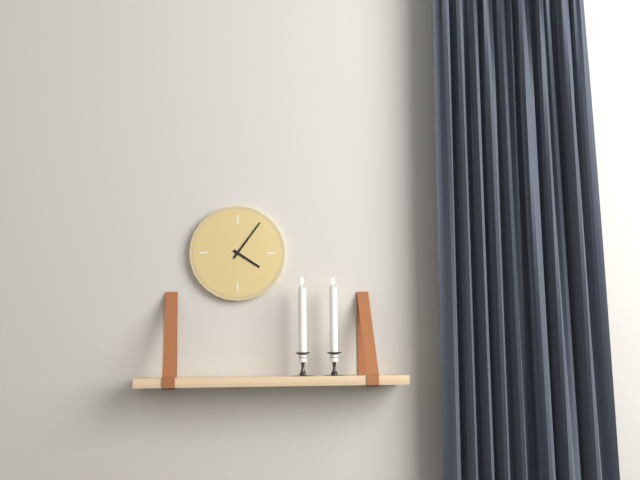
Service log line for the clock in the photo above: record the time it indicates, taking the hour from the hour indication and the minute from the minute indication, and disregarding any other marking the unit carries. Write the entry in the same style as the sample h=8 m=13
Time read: h=4 m=6
